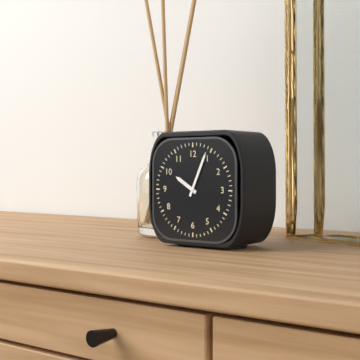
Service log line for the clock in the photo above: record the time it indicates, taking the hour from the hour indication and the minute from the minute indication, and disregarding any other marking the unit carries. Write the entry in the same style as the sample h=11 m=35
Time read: h=10 m=4
